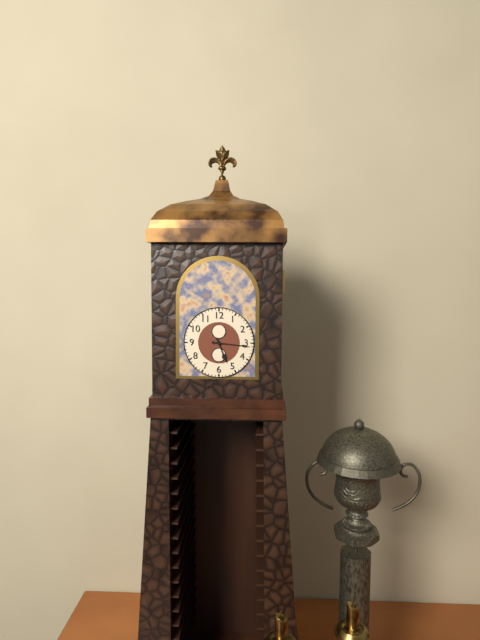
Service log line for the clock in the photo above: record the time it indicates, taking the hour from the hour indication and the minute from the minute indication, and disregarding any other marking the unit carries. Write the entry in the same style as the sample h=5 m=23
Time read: h=5 m=16
